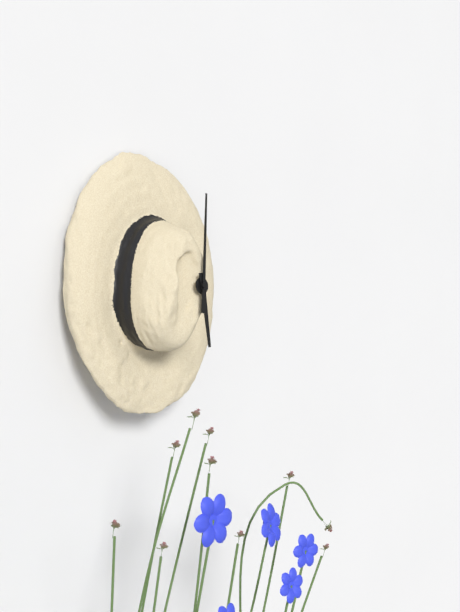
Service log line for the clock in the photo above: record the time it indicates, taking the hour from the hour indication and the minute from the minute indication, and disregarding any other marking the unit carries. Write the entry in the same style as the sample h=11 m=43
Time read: h=6 m=2
